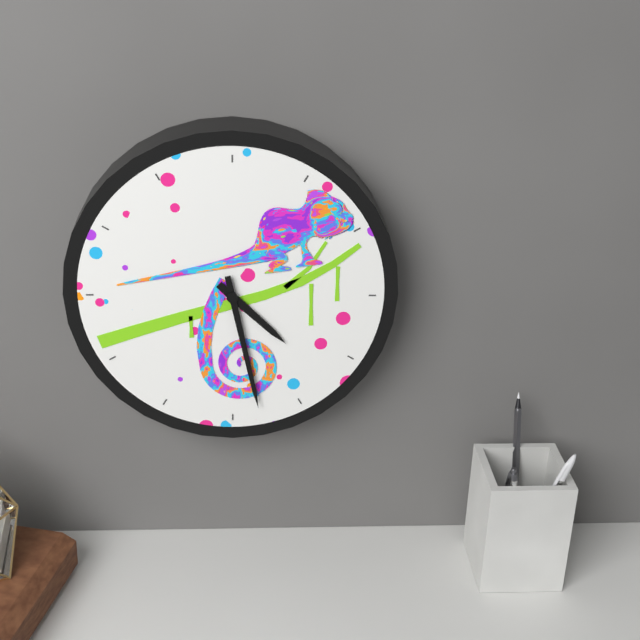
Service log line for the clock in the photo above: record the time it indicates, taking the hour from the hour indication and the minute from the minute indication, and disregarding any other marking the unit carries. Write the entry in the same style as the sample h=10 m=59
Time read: h=4 m=28
